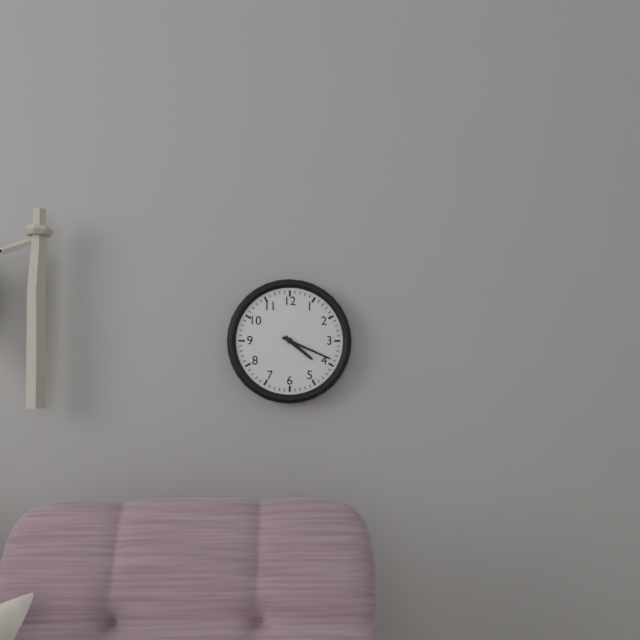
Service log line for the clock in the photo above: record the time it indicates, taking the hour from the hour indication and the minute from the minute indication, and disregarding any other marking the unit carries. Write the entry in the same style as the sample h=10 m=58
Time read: h=4 m=19
